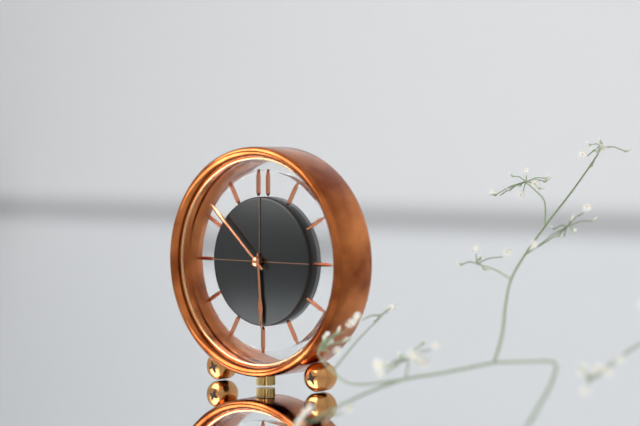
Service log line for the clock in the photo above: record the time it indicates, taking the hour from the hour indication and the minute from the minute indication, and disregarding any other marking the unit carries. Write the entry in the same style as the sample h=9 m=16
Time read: h=5 m=52
